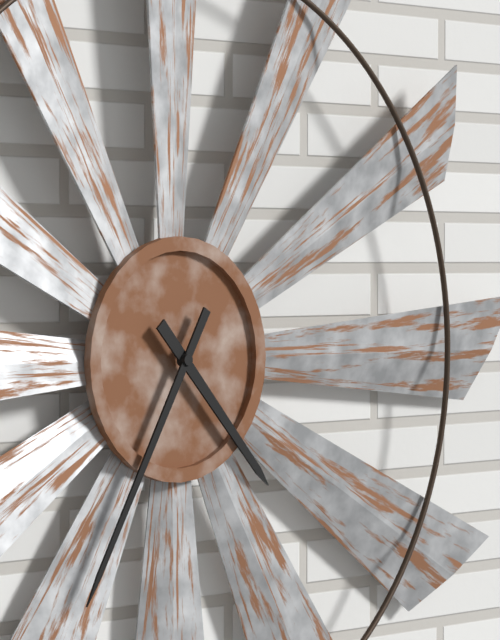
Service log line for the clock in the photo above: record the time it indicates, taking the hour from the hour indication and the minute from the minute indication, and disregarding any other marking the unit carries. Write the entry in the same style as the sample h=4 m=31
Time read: h=4 m=35
